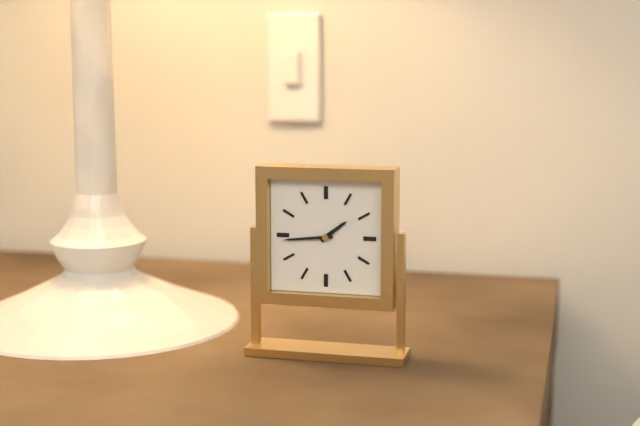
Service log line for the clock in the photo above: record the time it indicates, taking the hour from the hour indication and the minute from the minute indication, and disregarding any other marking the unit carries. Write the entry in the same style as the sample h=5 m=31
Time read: h=1 m=44
